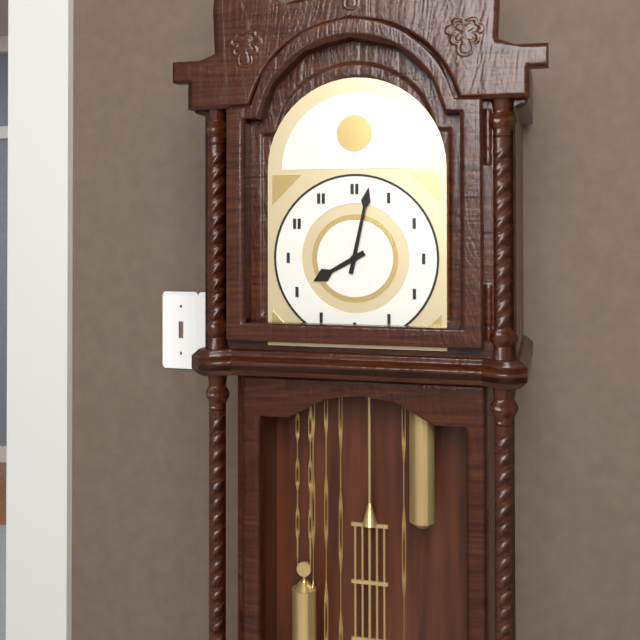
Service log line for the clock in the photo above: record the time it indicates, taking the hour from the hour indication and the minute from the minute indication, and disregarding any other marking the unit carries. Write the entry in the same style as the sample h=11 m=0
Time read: h=8 m=2
